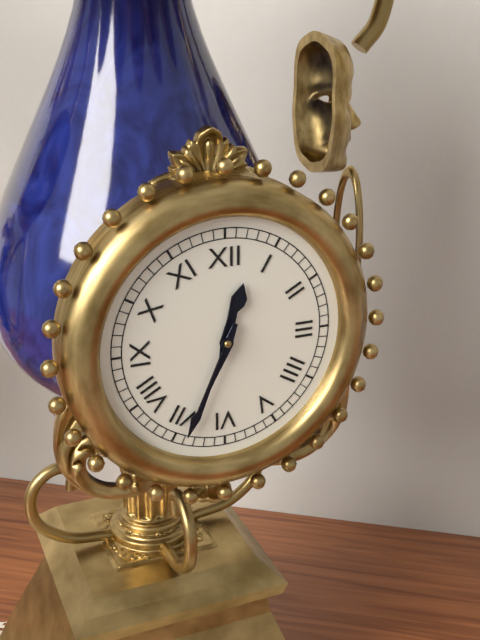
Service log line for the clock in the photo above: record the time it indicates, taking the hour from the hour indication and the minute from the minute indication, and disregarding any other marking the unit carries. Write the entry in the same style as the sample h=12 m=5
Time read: h=12 m=34
